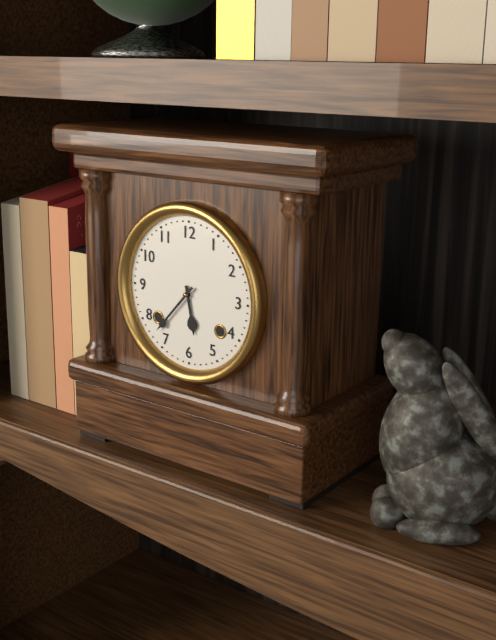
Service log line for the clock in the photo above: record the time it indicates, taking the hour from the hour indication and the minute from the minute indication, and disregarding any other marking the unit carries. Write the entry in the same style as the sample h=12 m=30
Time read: h=5 m=37
